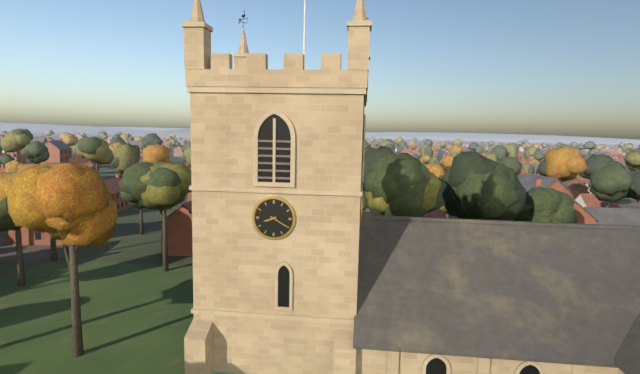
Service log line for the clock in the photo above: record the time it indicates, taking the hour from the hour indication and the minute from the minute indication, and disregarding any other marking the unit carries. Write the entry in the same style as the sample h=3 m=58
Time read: h=8 m=20
